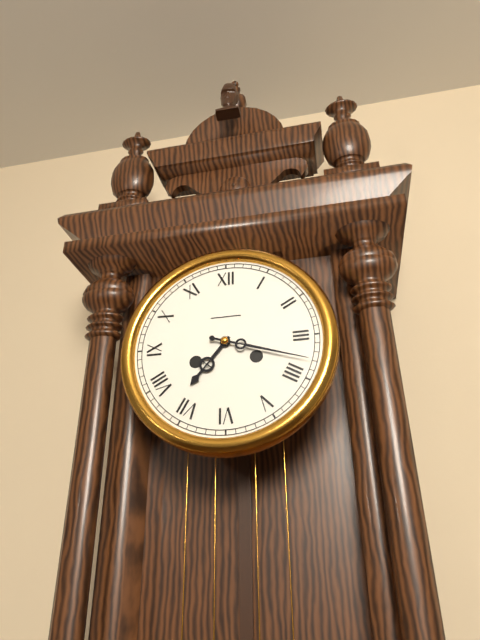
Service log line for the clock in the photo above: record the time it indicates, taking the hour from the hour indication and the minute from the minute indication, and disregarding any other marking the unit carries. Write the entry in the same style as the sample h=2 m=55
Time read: h=7 m=18
